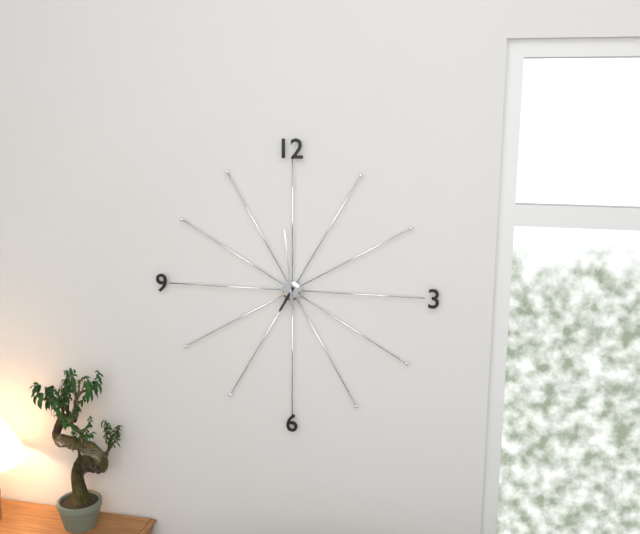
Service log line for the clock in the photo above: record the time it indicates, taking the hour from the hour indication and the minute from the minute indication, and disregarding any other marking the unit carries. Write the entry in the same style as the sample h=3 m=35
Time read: h=6 m=59
